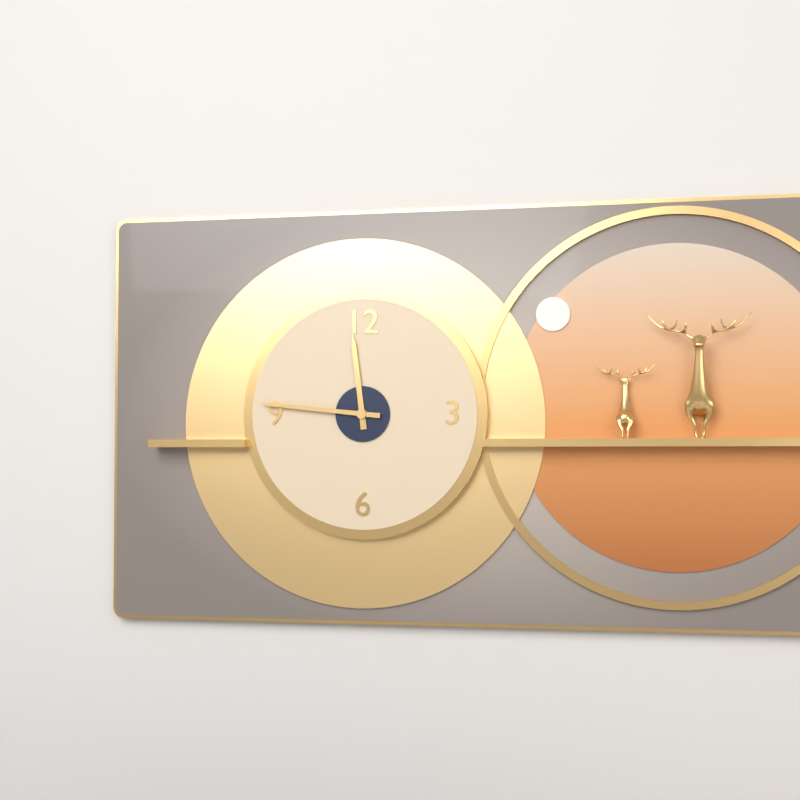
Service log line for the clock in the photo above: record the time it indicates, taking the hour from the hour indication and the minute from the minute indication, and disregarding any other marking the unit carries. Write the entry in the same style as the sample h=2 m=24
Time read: h=11 m=46
